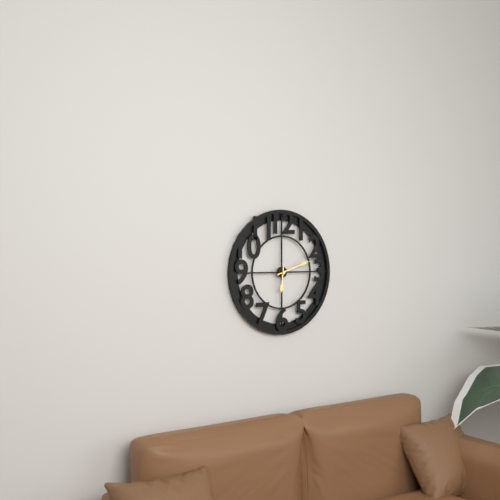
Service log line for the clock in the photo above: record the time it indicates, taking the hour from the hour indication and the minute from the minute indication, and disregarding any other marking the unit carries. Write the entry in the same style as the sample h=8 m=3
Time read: h=6 m=12
